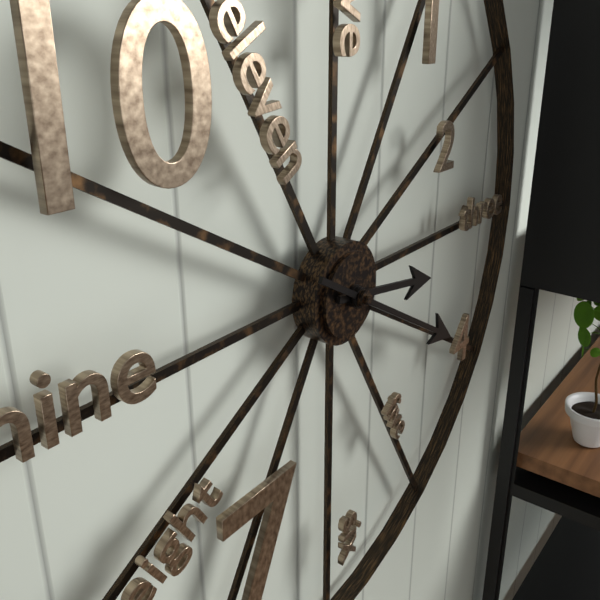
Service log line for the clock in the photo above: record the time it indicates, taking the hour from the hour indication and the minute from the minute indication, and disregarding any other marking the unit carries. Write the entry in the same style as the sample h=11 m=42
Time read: h=3 m=20
